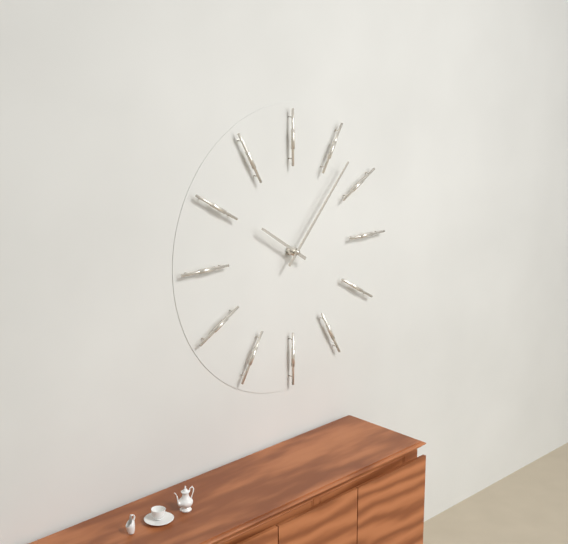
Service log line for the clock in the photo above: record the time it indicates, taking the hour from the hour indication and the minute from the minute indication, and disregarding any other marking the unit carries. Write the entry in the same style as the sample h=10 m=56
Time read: h=10 m=7
